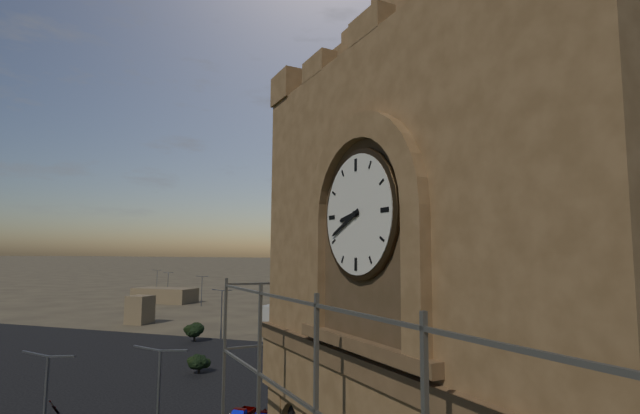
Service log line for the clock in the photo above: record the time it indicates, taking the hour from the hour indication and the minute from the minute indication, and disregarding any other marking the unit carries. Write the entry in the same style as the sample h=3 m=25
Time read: h=8 m=41
